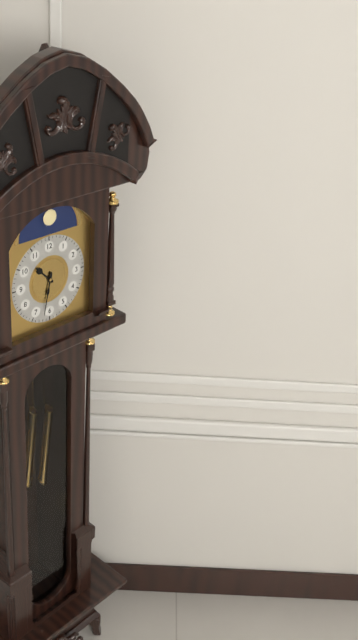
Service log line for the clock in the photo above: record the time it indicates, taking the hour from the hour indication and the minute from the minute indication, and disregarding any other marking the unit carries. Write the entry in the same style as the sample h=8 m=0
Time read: h=10 m=32
